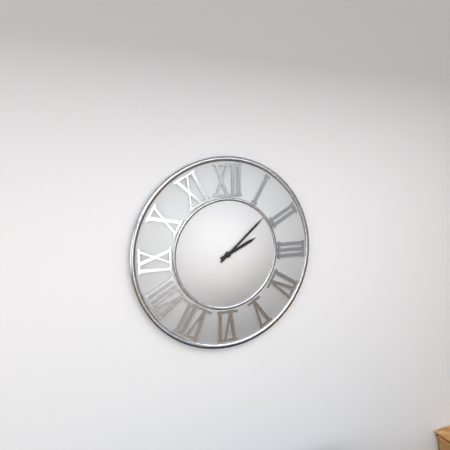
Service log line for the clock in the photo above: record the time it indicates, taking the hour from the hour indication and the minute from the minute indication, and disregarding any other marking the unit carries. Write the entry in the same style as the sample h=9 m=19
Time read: h=2 m=8
